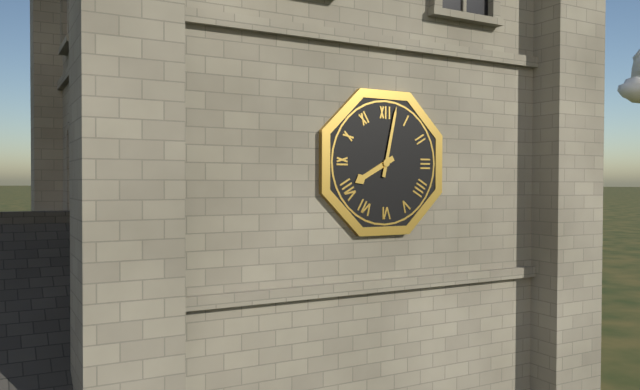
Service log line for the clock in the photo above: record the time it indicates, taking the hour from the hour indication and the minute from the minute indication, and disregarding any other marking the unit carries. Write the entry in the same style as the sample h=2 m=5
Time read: h=8 m=2
